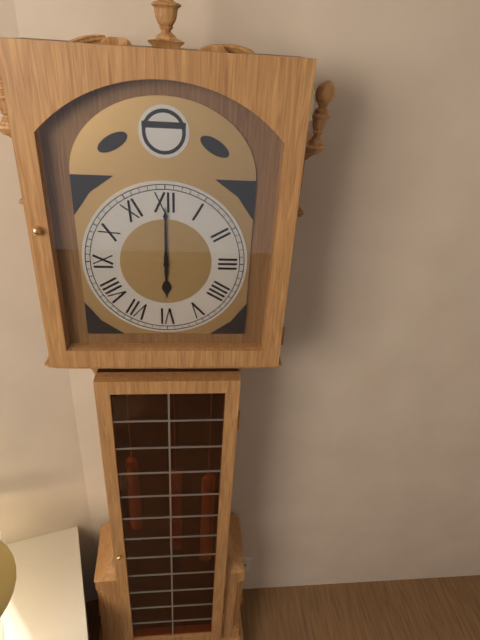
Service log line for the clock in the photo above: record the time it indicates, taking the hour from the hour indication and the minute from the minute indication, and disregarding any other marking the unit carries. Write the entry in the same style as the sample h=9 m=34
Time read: h=6 m=0
